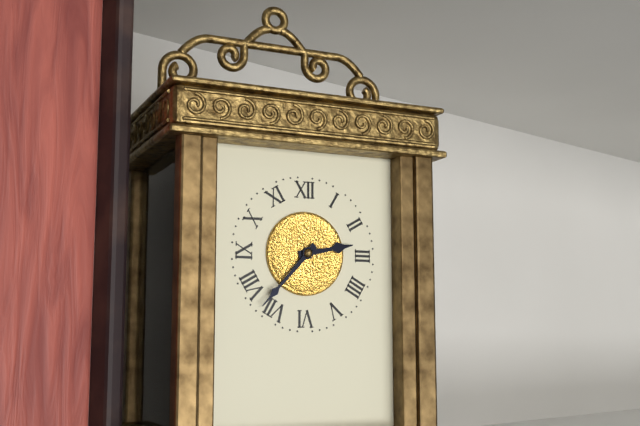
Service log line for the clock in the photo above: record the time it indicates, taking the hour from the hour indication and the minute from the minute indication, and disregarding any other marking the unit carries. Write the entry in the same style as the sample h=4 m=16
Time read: h=2 m=37
